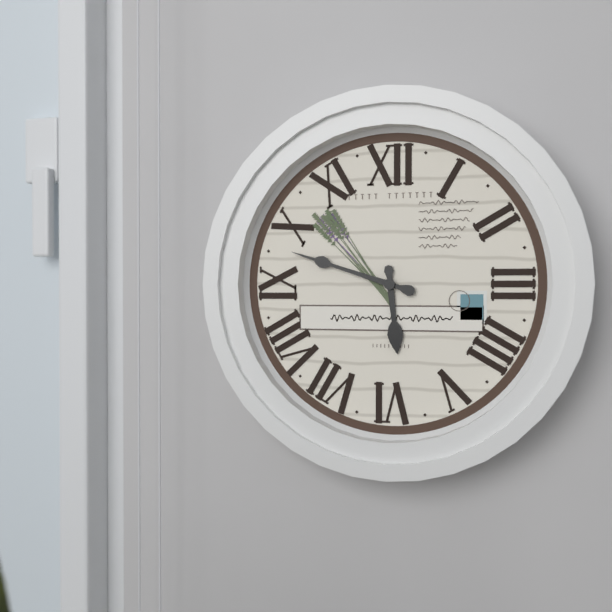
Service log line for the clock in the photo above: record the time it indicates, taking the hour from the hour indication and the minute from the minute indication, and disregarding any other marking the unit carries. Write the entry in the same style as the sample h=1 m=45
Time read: h=5 m=48
